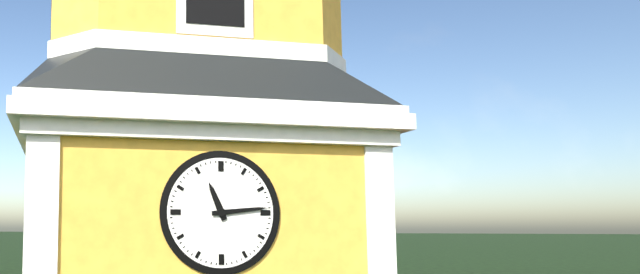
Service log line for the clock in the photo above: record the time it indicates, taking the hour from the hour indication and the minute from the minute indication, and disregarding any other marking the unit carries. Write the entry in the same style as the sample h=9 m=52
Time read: h=11 m=14
